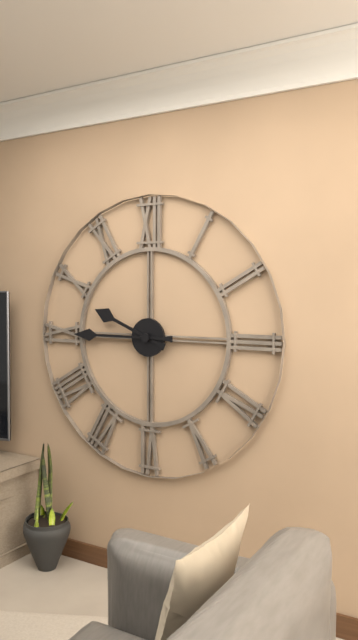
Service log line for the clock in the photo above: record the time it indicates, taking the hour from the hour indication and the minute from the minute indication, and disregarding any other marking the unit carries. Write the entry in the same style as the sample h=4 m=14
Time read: h=9 m=45
